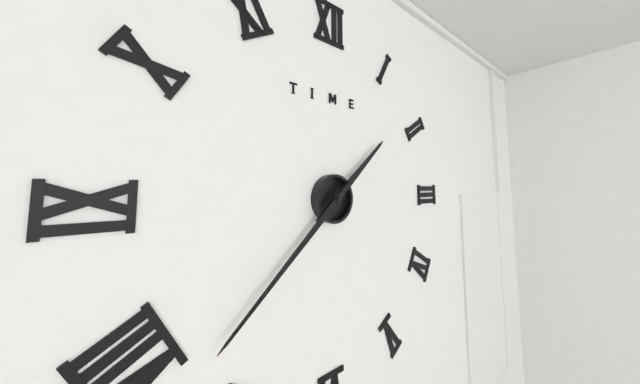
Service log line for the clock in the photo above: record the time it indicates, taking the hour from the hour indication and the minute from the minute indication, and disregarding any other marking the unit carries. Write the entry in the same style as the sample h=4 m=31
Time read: h=1 m=38
